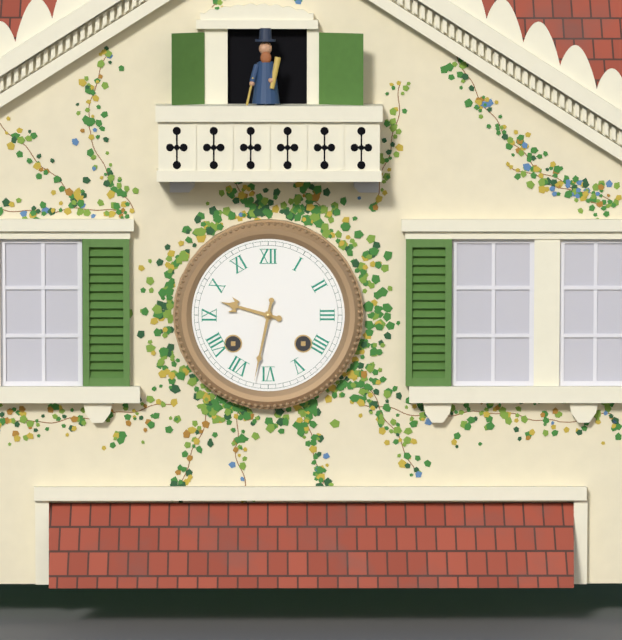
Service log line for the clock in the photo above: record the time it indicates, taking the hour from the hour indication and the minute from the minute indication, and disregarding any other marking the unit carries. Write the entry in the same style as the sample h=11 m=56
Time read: h=9 m=32
